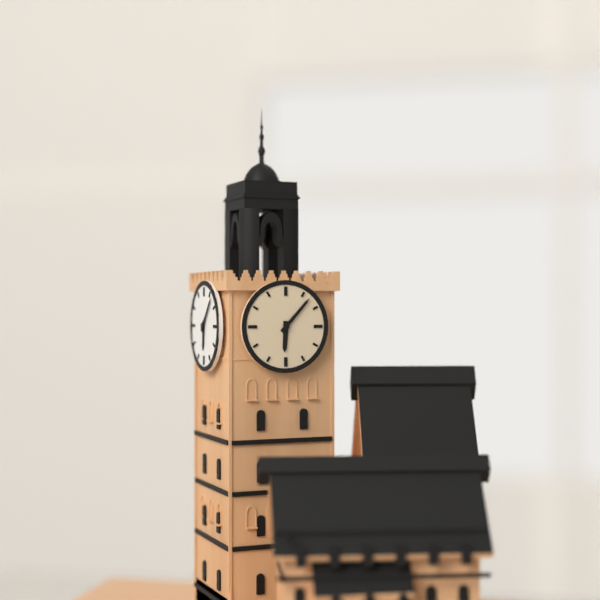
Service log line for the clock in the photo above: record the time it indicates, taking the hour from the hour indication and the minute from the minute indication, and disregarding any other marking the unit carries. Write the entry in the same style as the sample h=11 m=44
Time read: h=6 m=7
